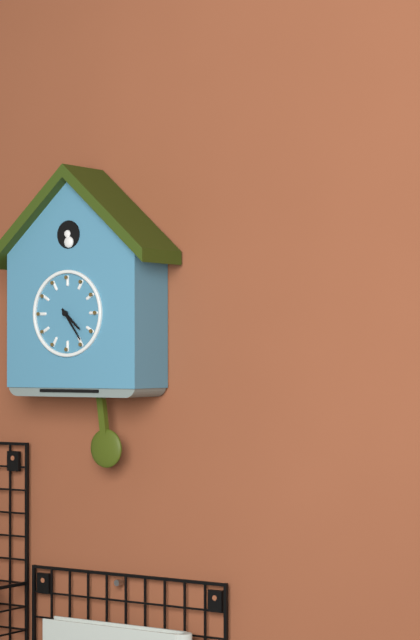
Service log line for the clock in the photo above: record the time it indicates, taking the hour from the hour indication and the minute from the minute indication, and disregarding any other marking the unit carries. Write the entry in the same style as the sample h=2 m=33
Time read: h=4 m=24
